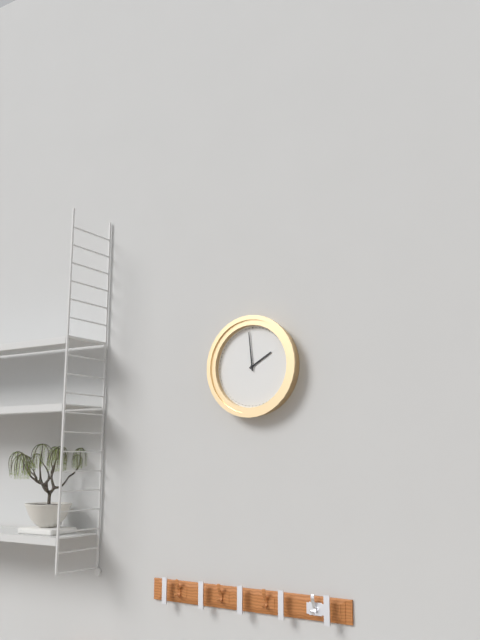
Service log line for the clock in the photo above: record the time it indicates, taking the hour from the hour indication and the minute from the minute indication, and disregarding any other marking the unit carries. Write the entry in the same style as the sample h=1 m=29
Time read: h=1 m=59
